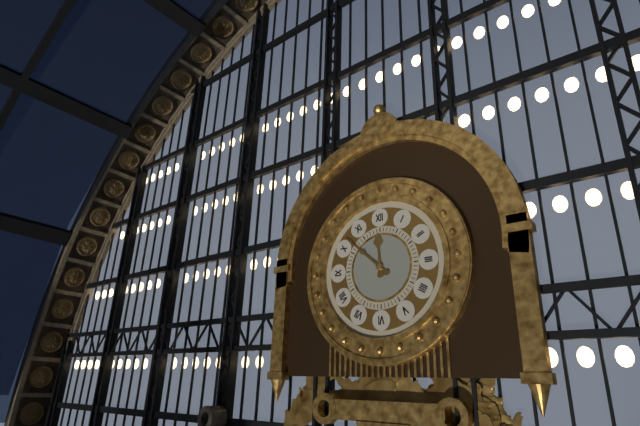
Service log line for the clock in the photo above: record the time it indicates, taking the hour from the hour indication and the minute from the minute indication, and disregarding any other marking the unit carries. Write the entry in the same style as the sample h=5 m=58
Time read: h=11 m=52
